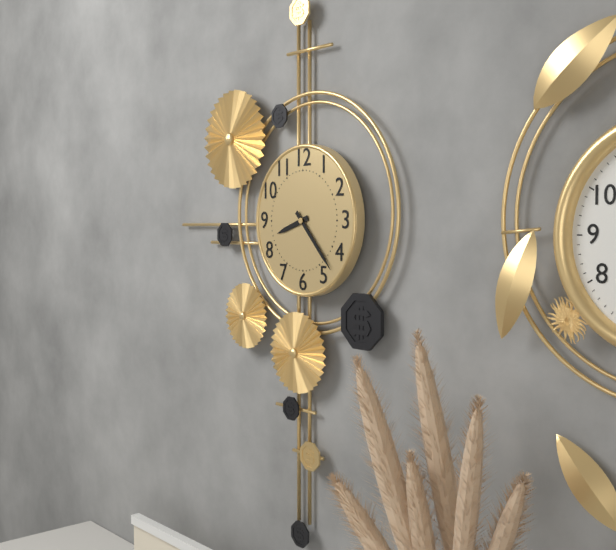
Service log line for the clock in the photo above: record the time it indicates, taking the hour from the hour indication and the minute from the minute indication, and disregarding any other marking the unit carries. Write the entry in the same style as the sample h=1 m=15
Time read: h=8 m=23
